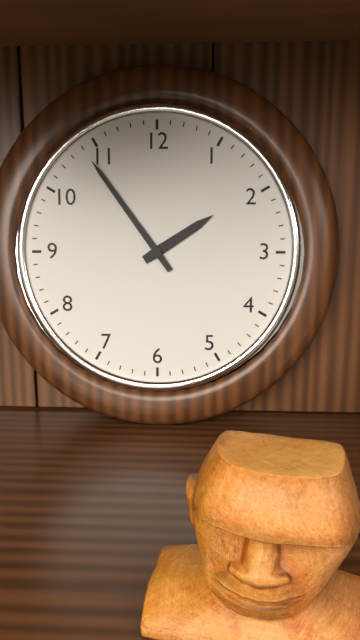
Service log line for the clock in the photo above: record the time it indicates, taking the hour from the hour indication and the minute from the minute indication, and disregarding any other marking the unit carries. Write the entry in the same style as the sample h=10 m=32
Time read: h=1 m=54
